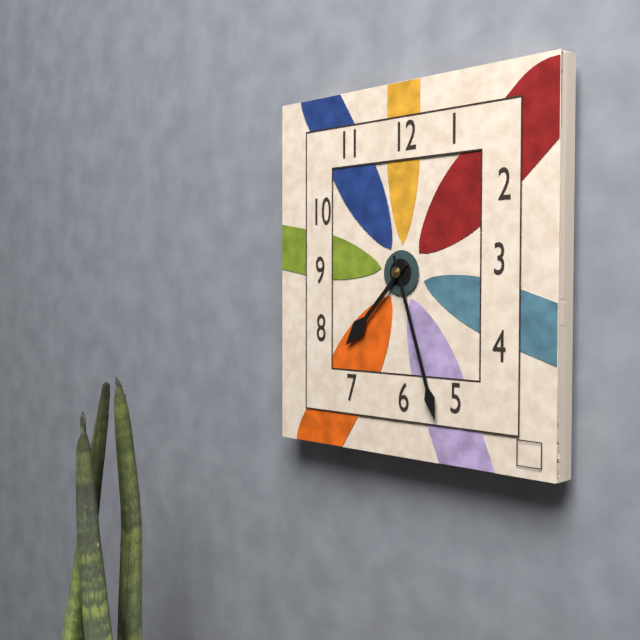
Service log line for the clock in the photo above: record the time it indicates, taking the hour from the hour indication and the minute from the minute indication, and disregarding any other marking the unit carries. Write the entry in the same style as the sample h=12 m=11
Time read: h=7 m=27
